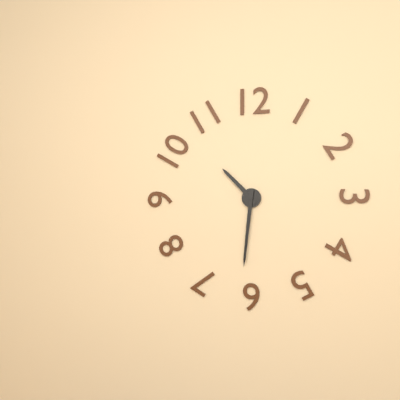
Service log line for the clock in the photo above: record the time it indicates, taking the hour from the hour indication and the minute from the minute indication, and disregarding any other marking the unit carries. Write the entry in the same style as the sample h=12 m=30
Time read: h=10 m=31
